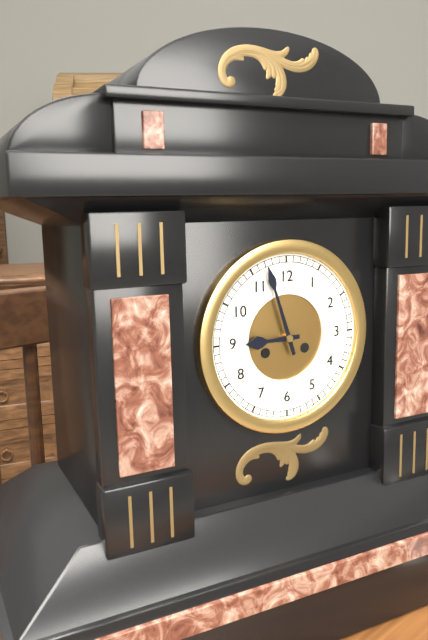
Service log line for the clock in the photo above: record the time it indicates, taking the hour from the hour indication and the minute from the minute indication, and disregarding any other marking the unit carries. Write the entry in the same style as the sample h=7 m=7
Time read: h=8 m=57
